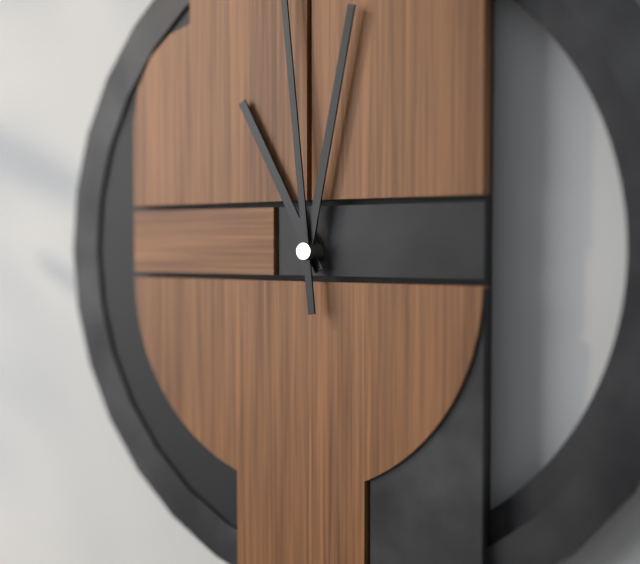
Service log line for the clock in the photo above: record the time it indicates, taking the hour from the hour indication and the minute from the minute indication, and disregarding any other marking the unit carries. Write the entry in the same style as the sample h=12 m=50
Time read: h=11 m=2
